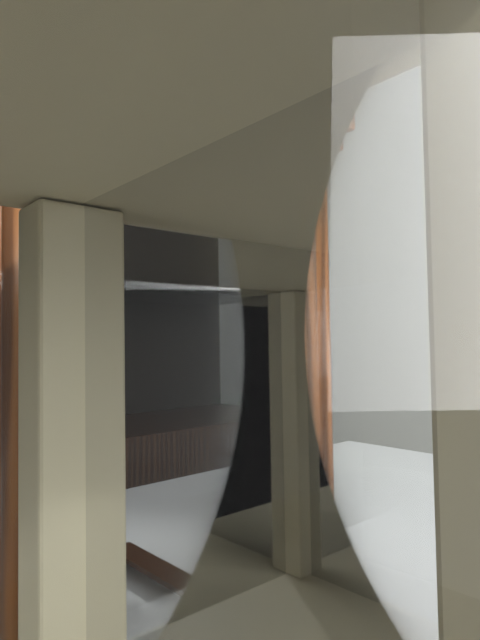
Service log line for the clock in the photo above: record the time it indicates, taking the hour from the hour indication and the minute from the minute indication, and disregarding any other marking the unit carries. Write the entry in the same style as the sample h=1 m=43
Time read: h=1 m=40
